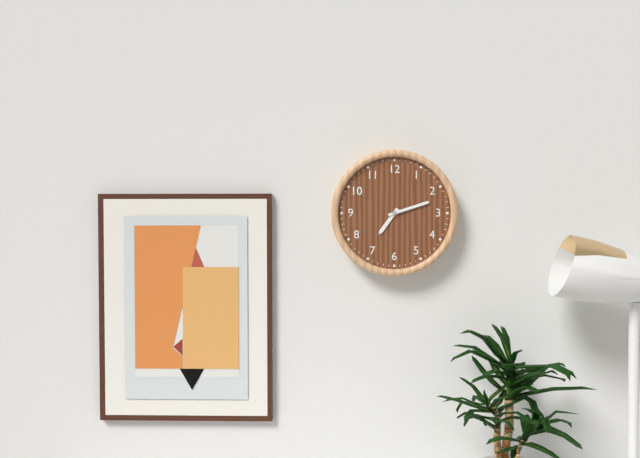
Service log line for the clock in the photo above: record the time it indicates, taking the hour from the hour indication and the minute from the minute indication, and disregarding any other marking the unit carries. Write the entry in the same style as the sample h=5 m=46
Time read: h=7 m=12
